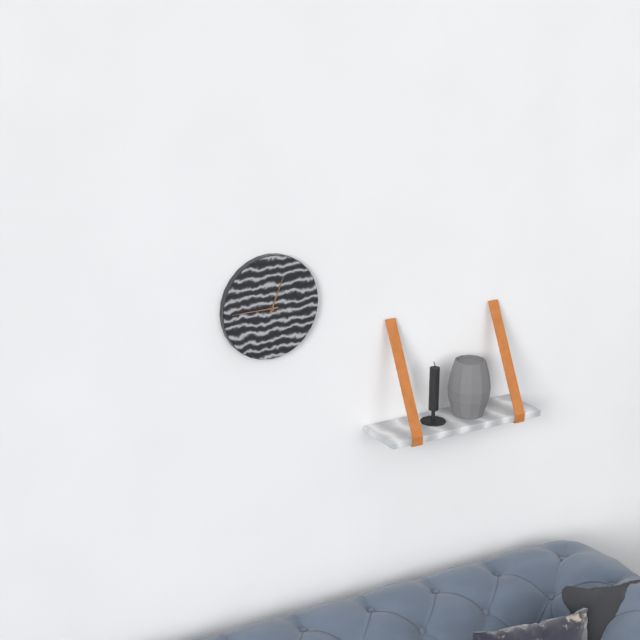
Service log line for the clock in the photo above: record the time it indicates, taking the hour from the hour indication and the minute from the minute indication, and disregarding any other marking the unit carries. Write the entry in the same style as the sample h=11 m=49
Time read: h=12 m=45
